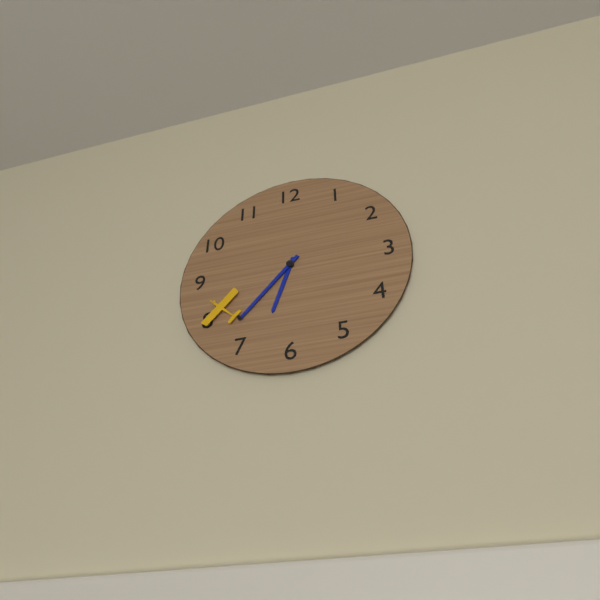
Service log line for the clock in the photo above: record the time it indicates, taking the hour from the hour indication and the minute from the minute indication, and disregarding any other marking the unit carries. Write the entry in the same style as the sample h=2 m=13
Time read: h=6 m=37
